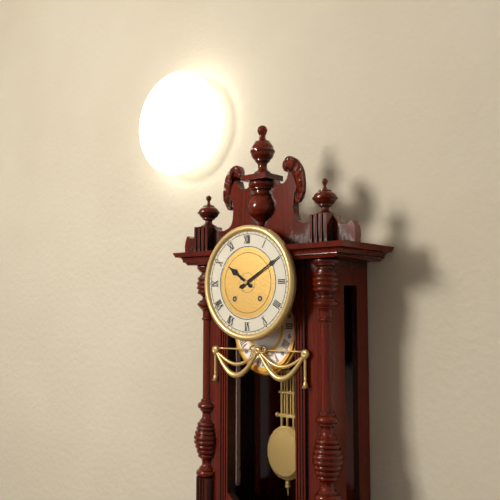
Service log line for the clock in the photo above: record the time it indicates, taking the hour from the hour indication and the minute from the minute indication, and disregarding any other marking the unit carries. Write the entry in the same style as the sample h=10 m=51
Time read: h=10 m=10
